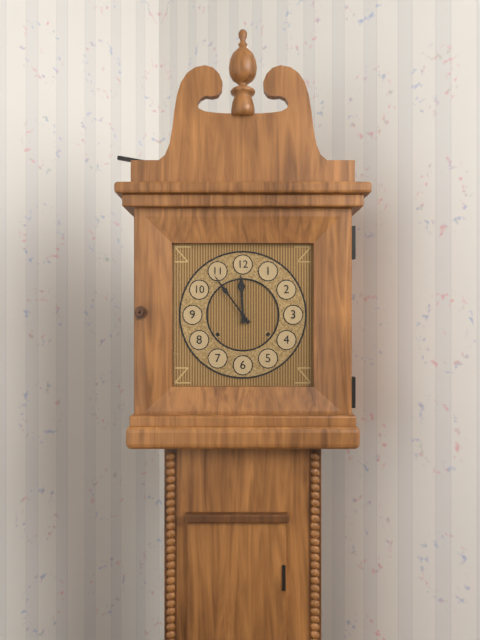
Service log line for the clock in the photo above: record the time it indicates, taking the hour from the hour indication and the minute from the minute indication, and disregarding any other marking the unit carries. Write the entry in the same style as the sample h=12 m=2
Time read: h=11 m=54
